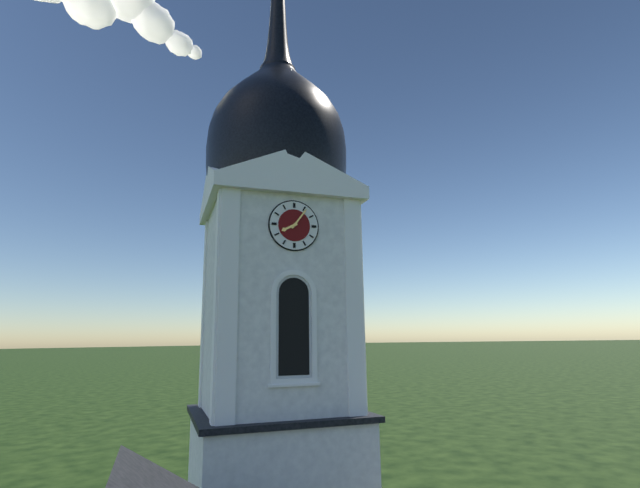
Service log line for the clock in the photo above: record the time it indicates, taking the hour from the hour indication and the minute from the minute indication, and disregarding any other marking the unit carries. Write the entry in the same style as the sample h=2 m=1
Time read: h=8 m=6
